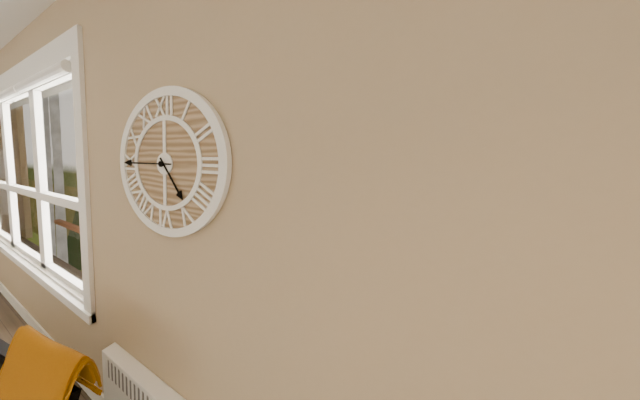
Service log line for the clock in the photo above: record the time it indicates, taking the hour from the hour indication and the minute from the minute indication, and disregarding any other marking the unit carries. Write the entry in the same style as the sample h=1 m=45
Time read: h=4 m=45
